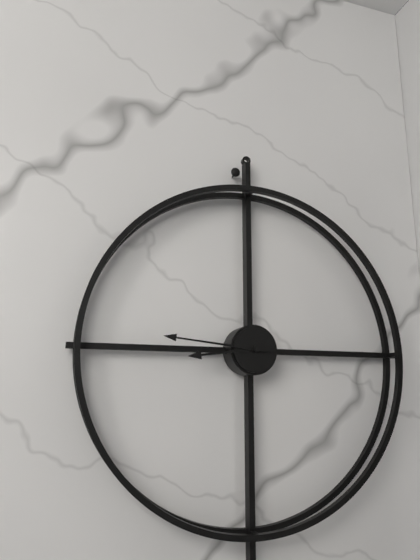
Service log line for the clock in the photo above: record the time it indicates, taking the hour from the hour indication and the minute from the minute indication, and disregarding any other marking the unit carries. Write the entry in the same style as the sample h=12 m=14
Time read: h=8 m=46
